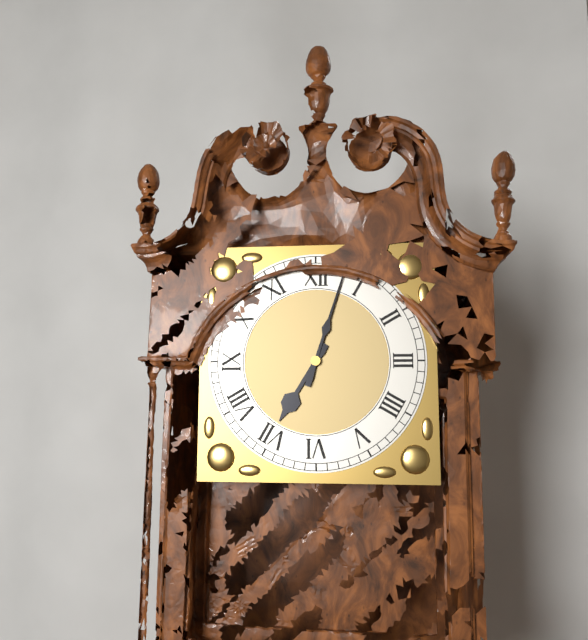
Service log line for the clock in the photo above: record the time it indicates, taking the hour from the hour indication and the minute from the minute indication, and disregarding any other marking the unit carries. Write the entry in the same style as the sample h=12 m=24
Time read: h=7 m=3
